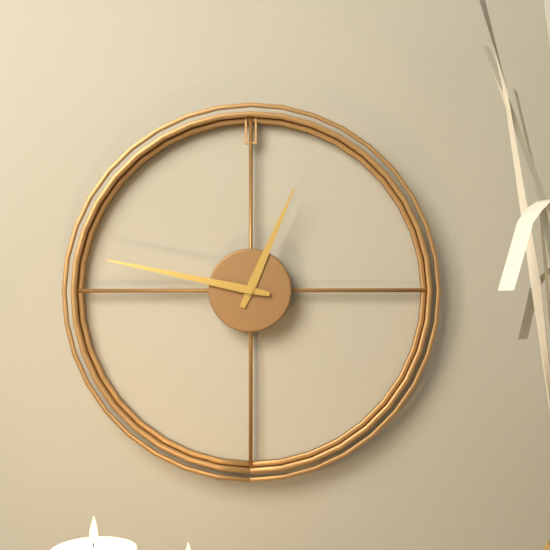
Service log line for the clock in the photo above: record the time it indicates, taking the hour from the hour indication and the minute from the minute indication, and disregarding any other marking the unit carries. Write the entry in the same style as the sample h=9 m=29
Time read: h=12 m=47
